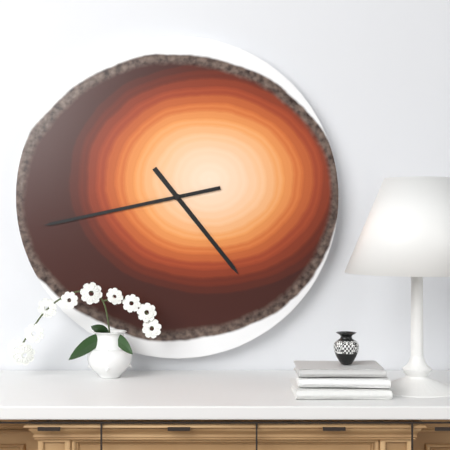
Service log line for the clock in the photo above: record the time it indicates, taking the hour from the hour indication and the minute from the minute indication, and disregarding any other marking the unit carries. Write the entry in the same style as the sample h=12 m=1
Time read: h=4 m=43
